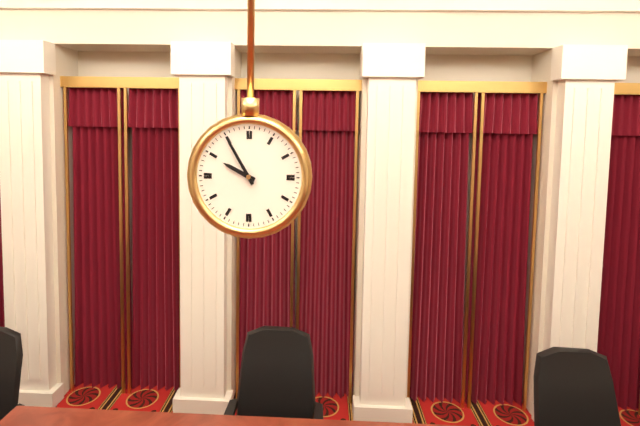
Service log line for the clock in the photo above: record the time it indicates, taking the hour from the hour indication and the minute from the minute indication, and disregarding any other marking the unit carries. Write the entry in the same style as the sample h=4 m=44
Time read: h=9 m=55
